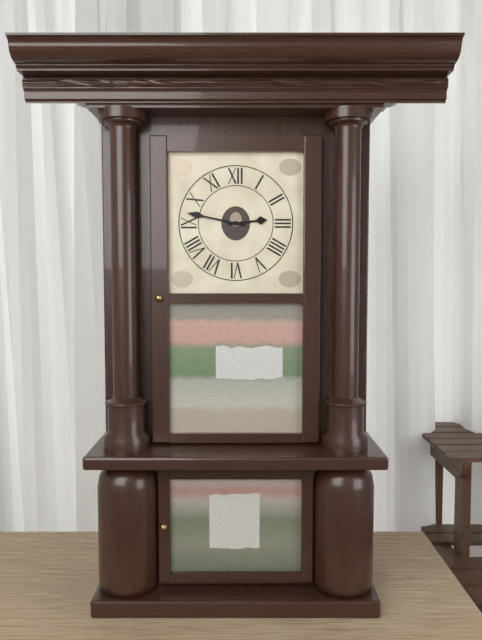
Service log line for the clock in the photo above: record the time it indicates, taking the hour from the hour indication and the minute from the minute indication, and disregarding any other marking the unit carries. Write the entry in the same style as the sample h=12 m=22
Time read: h=2 m=47
